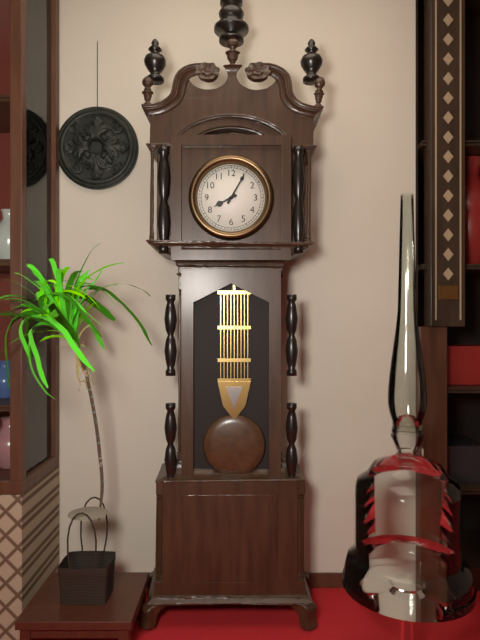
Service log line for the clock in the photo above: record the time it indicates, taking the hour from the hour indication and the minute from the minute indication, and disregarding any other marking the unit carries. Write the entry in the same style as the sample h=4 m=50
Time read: h=8 m=5
